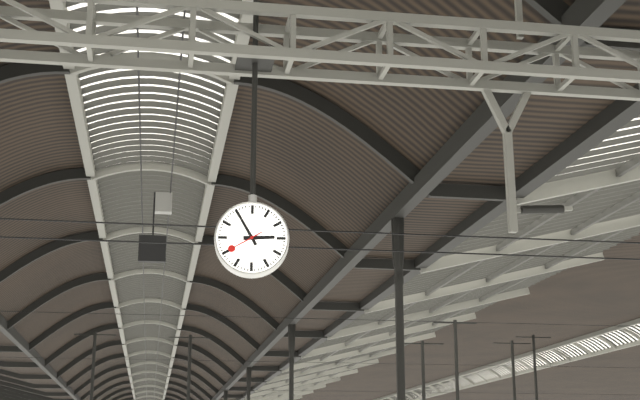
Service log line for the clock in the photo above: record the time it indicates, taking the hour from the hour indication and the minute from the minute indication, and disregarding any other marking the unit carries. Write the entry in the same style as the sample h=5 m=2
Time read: h=2 m=55
